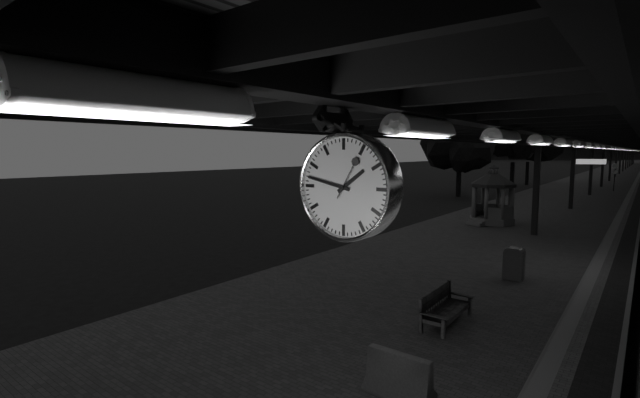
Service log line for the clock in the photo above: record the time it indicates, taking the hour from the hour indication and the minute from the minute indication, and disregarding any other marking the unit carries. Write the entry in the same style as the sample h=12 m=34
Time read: h=1 m=47
